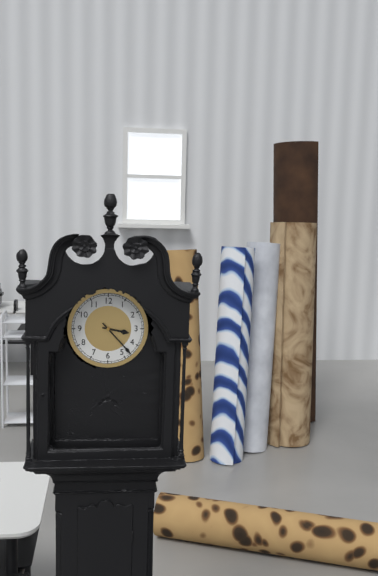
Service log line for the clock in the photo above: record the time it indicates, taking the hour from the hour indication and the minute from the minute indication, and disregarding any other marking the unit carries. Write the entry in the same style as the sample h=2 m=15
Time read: h=3 m=23
